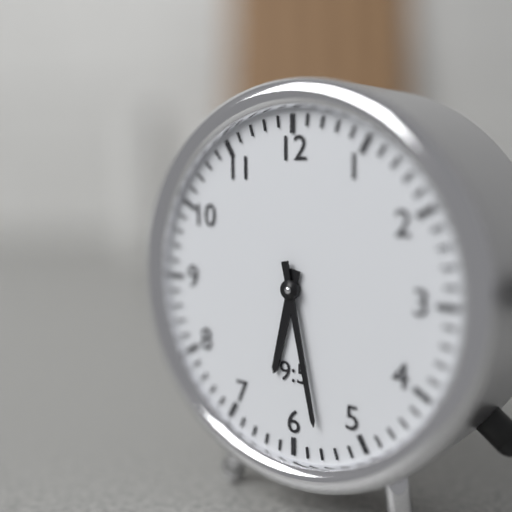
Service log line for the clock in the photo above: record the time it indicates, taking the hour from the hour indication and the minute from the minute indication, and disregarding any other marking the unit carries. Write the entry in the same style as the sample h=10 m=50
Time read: h=6 m=28
